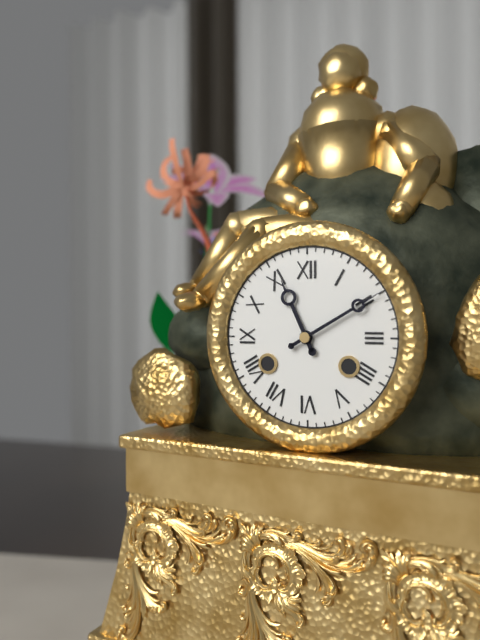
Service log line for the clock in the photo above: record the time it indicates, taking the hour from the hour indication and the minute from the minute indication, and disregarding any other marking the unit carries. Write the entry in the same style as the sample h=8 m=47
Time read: h=11 m=10
